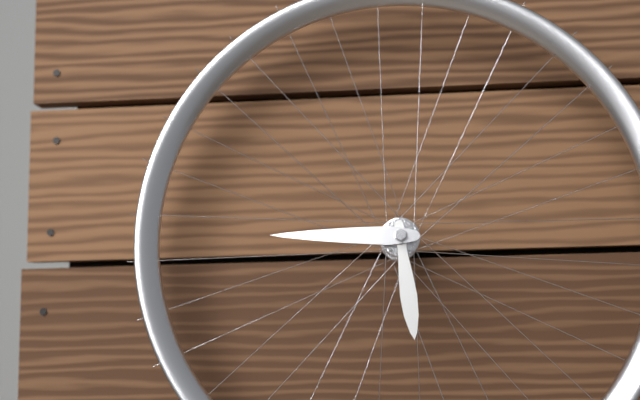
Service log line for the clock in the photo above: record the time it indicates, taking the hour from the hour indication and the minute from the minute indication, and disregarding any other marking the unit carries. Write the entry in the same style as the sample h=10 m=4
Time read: h=5 m=45
